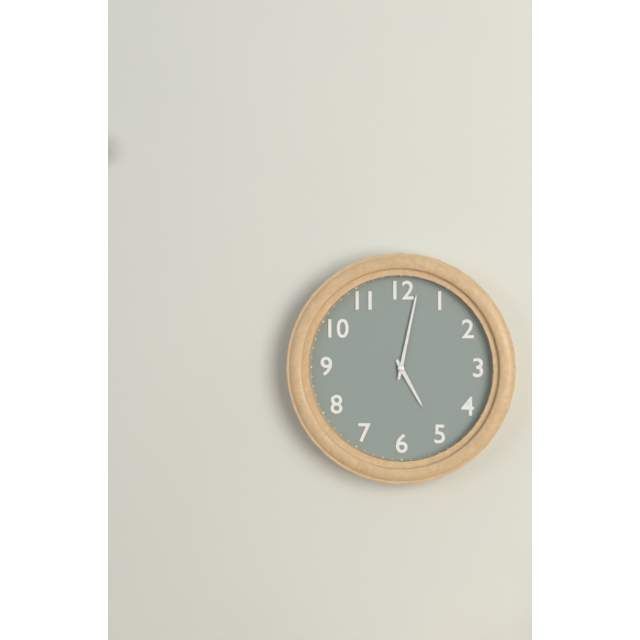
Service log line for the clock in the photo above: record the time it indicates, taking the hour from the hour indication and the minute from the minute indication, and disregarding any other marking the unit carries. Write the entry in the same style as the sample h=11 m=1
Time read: h=5 m=2
